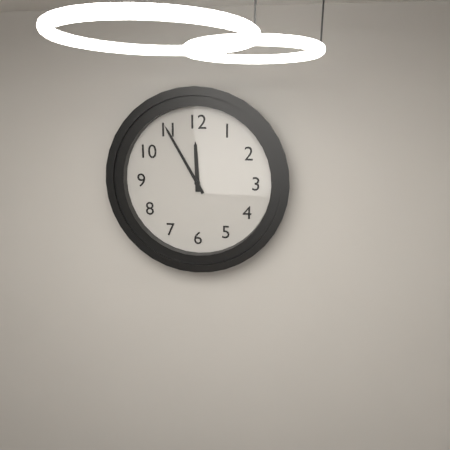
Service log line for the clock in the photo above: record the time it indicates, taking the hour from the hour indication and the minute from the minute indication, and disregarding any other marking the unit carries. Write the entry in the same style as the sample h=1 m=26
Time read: h=11 m=55
